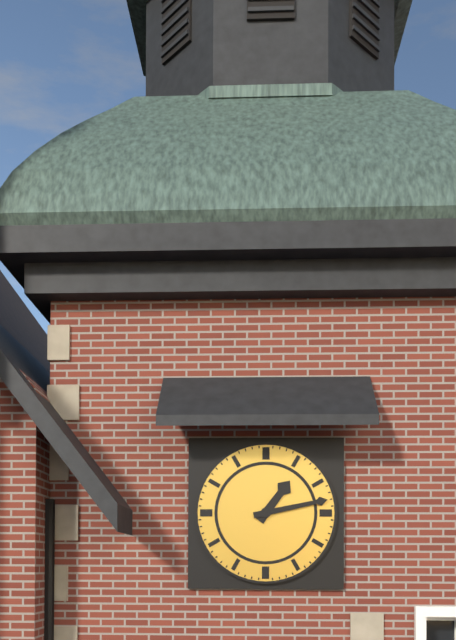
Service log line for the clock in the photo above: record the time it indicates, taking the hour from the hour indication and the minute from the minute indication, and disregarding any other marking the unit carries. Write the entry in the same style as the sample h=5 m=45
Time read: h=1 m=13
